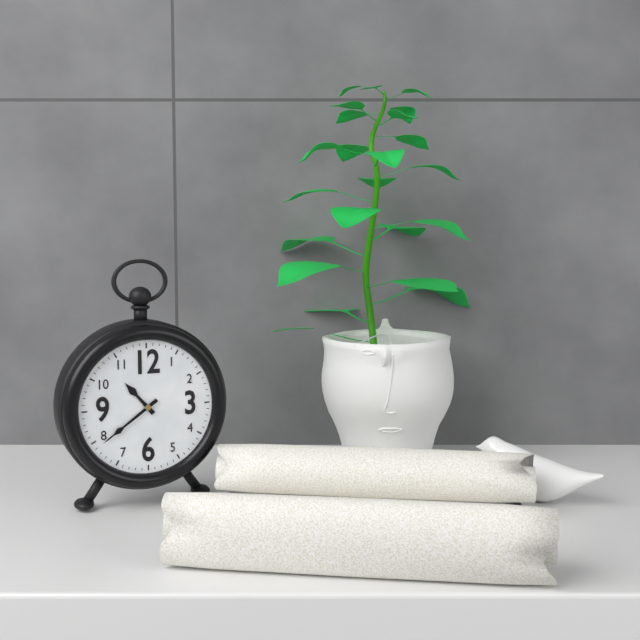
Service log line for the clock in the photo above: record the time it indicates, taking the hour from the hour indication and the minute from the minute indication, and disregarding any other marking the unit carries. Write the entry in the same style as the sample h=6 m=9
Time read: h=10 m=39
